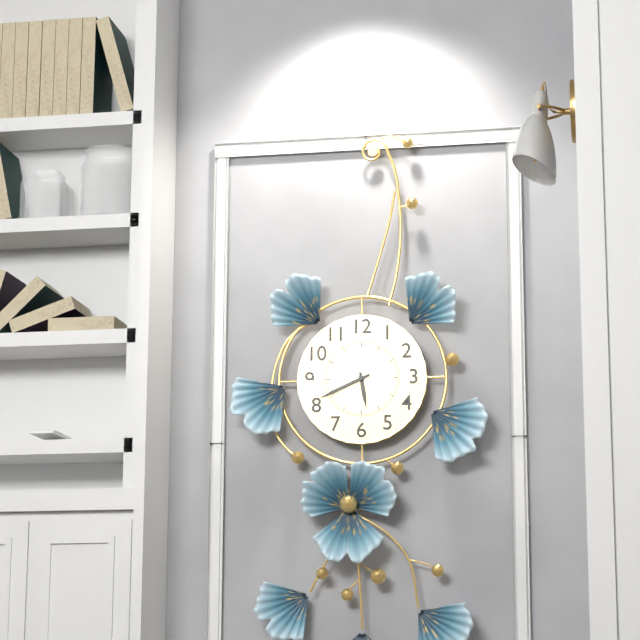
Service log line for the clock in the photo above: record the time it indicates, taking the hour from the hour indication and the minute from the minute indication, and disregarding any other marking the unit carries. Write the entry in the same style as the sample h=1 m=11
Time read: h=5 m=41
